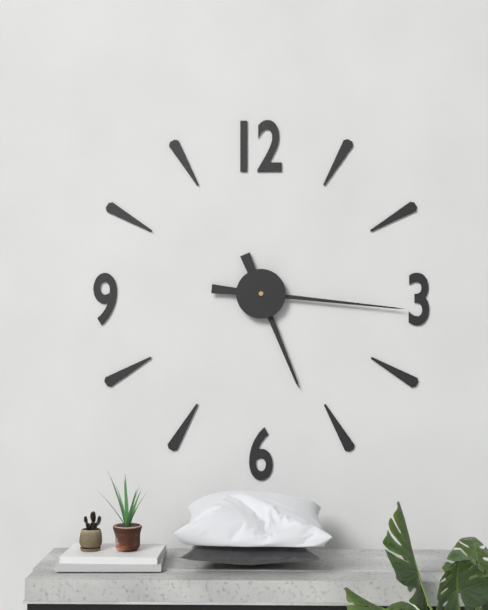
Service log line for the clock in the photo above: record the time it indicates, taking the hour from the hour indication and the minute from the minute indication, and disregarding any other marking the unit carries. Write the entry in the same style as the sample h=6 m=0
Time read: h=5 m=16
